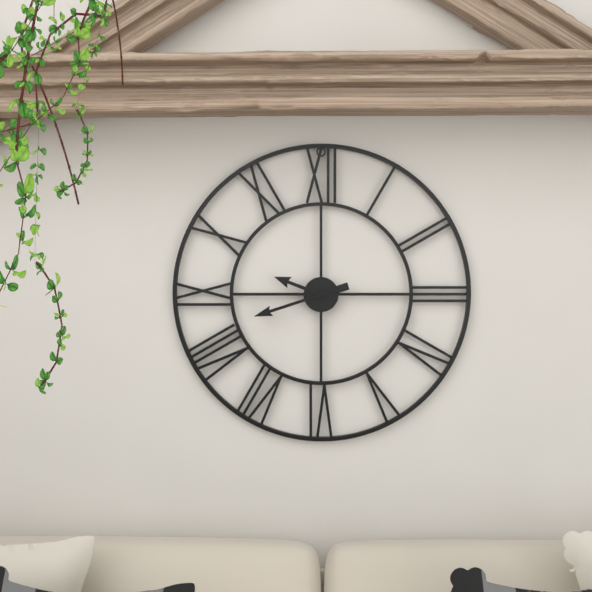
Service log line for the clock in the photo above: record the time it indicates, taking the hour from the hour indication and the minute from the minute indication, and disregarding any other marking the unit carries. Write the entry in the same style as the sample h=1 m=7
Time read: h=9 m=42
